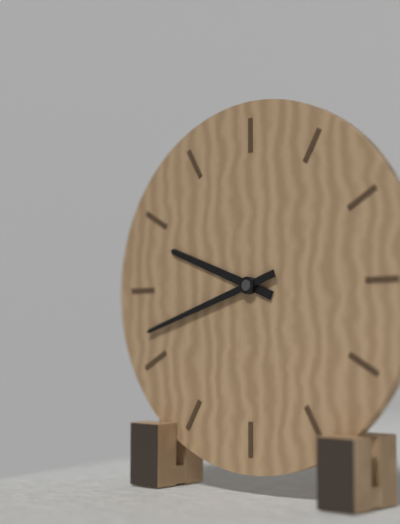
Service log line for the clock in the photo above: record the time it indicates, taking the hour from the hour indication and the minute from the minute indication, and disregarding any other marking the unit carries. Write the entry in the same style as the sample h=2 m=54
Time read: h=9 m=42
